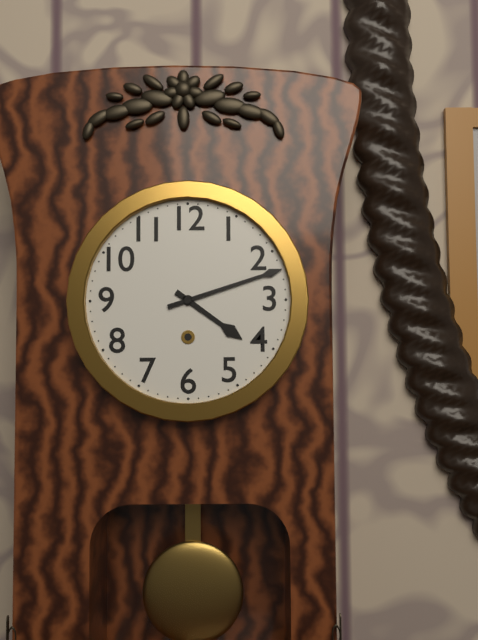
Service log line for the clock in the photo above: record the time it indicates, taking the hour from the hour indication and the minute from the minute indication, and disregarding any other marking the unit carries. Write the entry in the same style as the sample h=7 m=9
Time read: h=4 m=12
